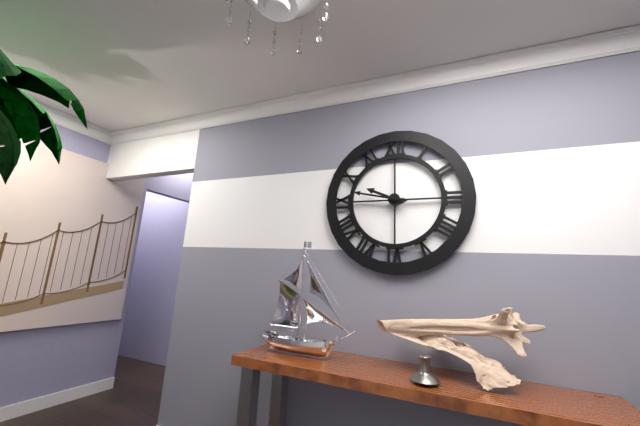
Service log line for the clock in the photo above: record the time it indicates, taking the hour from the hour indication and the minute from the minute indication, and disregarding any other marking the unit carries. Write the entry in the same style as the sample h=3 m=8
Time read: h=9 m=47
